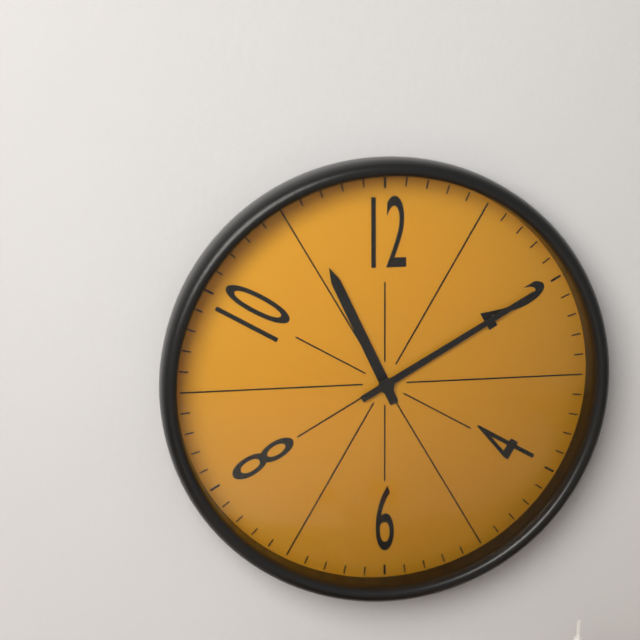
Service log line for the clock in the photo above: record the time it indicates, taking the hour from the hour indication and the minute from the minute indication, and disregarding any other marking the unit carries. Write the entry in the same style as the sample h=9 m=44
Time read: h=11 m=10
